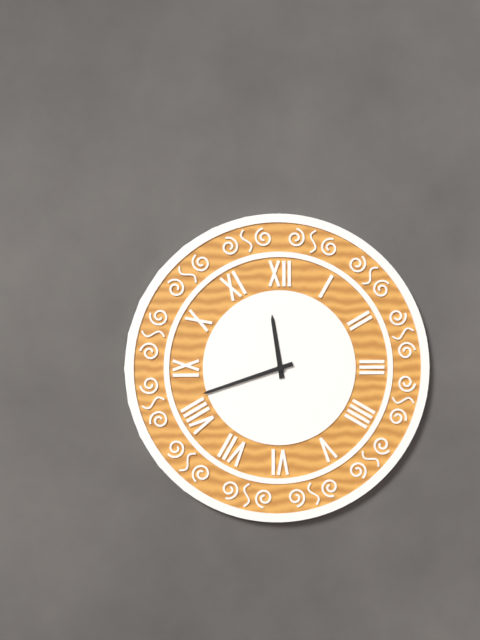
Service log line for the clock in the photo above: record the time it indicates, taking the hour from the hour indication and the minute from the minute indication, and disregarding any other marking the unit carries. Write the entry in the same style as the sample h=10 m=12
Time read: h=11 m=42
